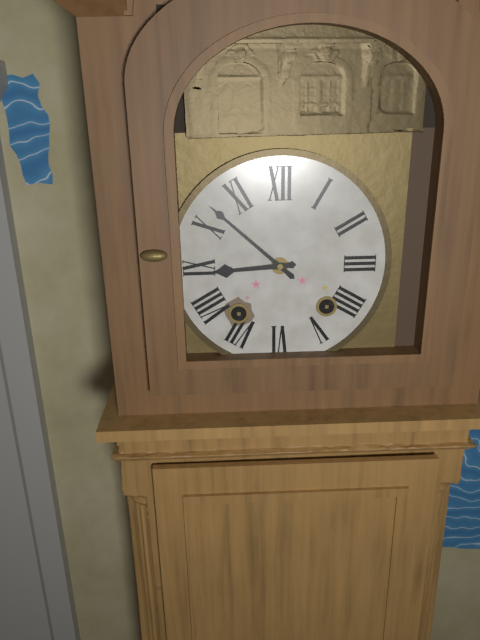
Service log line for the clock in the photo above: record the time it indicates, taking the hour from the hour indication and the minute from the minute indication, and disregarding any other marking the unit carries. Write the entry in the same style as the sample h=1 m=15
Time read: h=8 m=52
